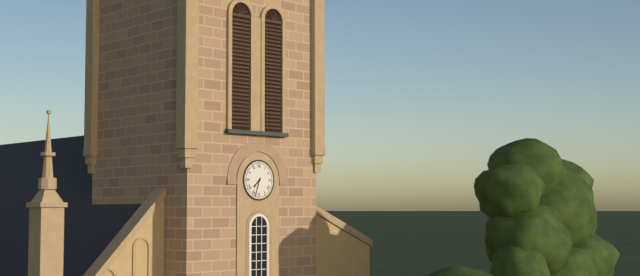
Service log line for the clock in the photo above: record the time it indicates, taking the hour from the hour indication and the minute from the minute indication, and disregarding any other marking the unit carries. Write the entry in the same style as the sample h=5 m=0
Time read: h=7 m=33
